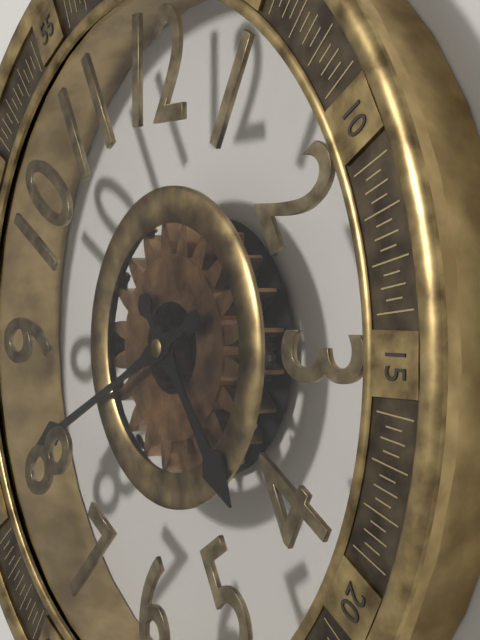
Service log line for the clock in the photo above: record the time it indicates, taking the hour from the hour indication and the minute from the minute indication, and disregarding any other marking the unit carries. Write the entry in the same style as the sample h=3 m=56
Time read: h=4 m=41
